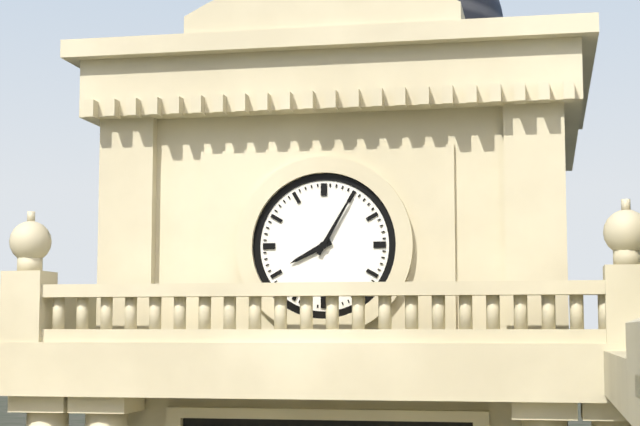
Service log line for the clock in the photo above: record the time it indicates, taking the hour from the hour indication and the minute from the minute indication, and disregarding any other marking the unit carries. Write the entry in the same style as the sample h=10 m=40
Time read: h=8 m=5
